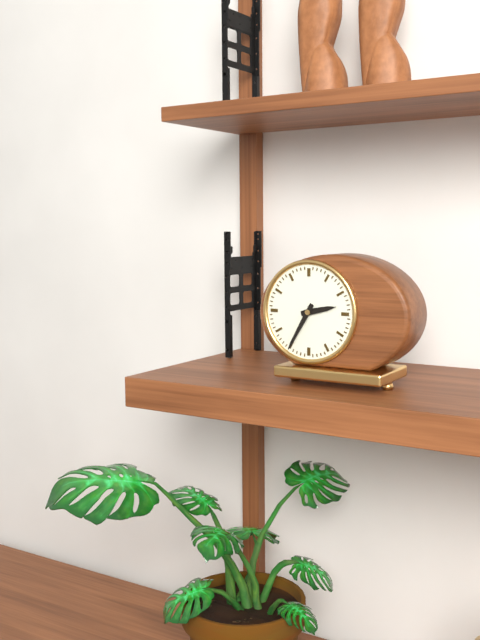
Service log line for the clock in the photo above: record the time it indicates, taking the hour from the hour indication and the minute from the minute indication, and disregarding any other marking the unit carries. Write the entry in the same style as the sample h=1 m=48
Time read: h=2 m=35
